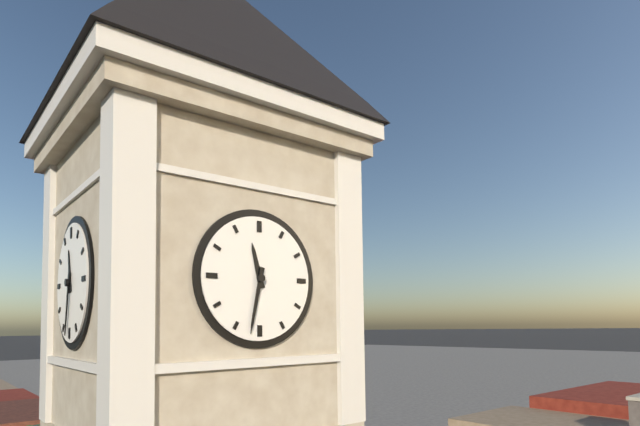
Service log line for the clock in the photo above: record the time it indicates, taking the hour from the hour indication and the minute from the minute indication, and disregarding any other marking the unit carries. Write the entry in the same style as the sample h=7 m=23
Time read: h=11 m=32
